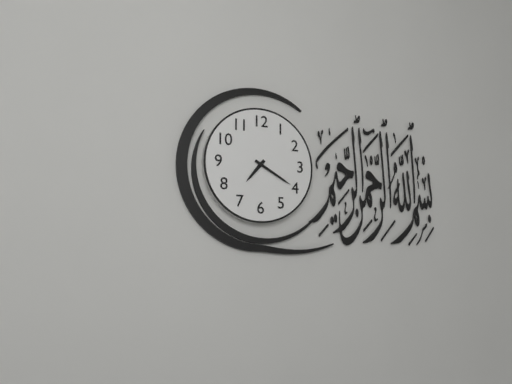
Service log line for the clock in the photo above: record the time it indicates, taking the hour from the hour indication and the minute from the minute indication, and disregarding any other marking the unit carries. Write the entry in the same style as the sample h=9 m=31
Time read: h=7 m=20
